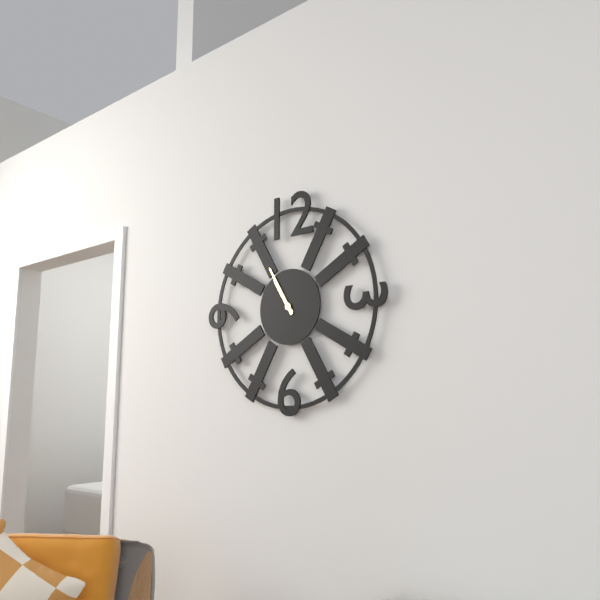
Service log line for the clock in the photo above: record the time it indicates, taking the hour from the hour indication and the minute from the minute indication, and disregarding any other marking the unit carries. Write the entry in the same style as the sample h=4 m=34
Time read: h=10 m=55
